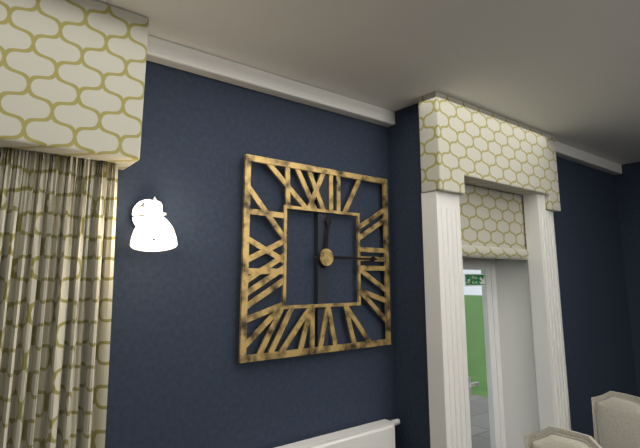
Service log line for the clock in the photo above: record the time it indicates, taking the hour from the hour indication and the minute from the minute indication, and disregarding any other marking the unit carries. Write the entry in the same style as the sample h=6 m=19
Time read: h=12 m=15
